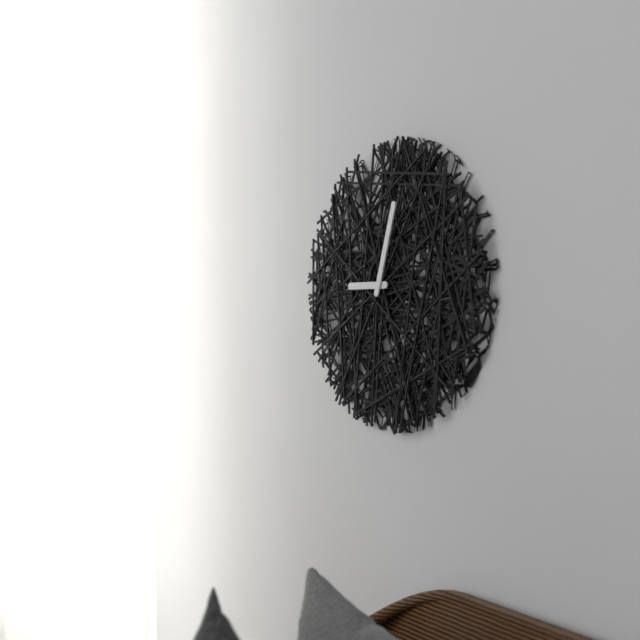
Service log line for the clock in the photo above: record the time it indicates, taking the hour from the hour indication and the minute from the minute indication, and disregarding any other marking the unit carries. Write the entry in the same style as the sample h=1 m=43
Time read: h=9 m=3
